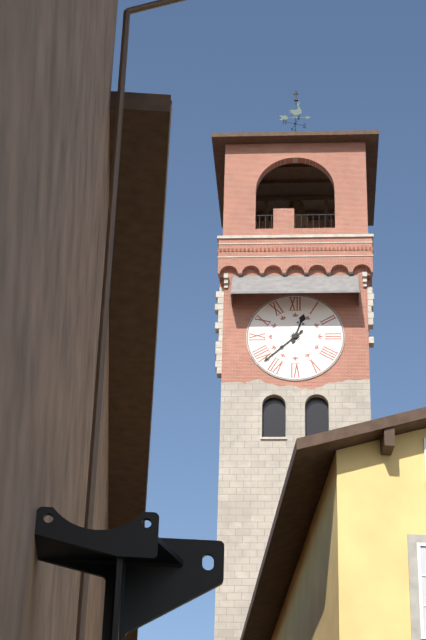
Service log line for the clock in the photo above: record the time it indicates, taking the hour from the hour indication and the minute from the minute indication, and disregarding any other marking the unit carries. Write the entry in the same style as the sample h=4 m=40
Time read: h=12 m=38
